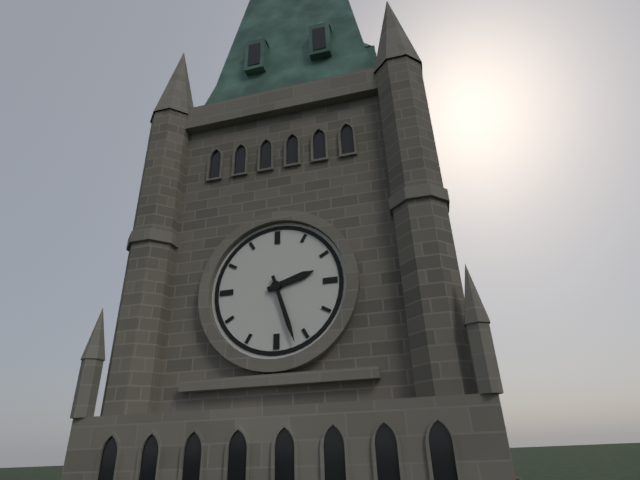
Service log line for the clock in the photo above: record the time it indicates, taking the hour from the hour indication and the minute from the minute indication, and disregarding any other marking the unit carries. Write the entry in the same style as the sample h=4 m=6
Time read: h=2 m=27
